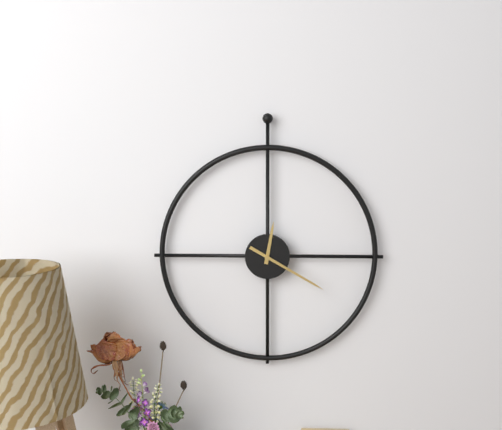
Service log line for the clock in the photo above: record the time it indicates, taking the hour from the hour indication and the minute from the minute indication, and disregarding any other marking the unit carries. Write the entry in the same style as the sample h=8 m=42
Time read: h=12 m=20
